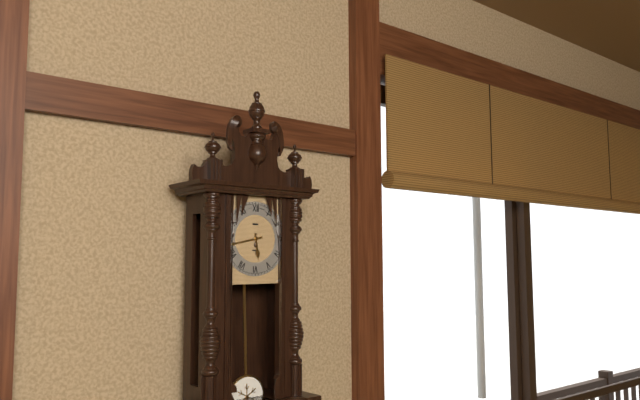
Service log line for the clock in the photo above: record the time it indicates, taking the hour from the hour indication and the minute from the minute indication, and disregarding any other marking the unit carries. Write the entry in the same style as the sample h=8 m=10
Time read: h=5 m=43
